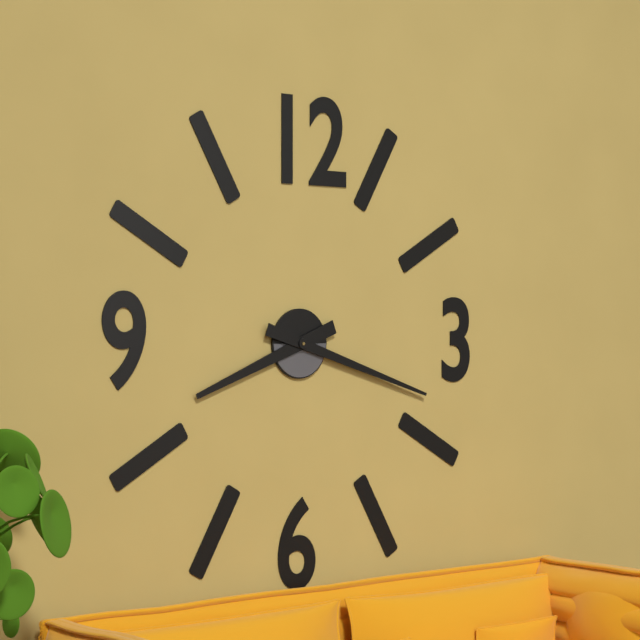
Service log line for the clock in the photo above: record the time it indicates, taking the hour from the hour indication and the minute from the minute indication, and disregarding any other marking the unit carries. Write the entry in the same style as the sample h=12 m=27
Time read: h=8 m=18
